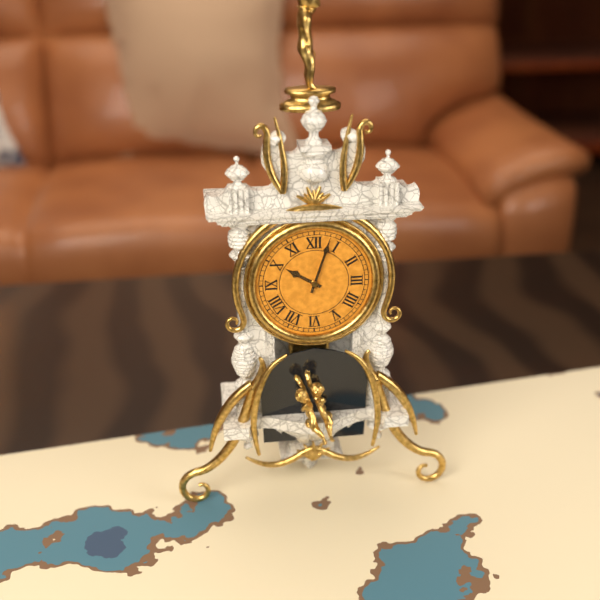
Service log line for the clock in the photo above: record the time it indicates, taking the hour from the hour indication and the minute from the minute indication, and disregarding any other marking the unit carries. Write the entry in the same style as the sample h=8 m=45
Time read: h=10 m=3
